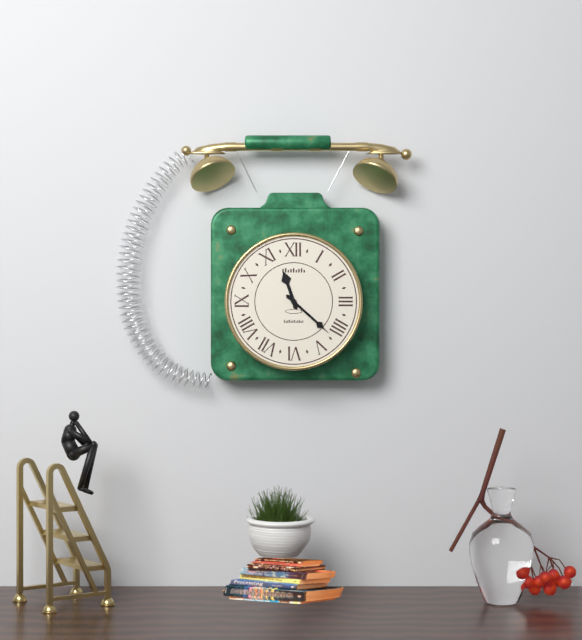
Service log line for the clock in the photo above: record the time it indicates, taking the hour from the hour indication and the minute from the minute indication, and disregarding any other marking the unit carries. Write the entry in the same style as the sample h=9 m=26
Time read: h=11 m=22
